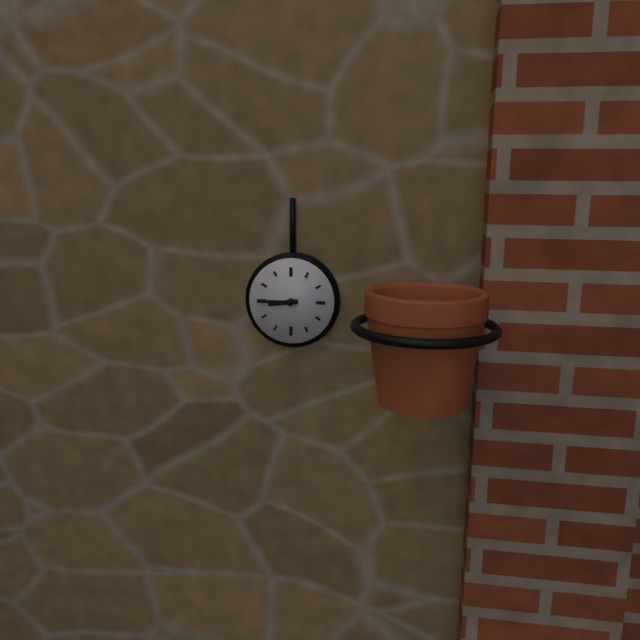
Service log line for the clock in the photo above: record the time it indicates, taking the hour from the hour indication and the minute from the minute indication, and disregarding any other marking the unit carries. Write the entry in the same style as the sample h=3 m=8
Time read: h=8 m=45
